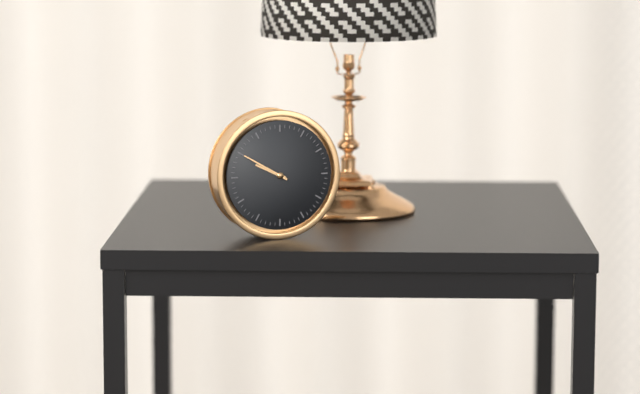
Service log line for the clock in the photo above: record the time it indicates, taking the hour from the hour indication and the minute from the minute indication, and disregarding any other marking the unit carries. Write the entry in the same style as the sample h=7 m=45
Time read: h=9 m=50
